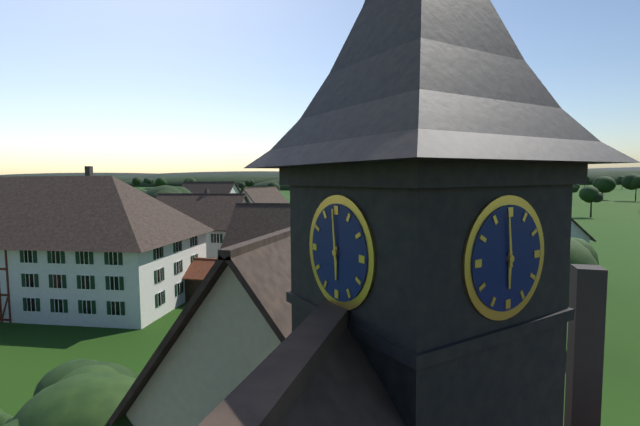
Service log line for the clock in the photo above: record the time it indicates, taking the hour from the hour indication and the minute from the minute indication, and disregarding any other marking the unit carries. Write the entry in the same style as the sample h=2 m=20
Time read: h=5 m=59
